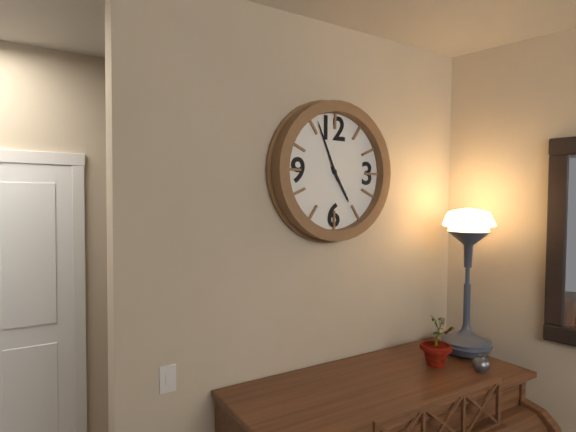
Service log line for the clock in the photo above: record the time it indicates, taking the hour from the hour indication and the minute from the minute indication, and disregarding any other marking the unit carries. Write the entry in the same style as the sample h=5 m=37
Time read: h=4 m=56
